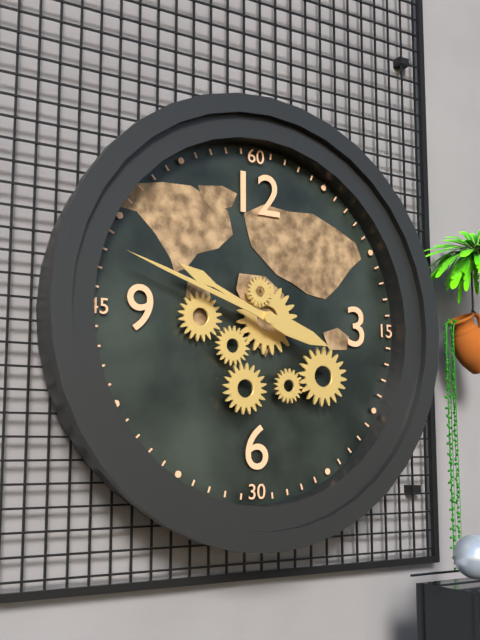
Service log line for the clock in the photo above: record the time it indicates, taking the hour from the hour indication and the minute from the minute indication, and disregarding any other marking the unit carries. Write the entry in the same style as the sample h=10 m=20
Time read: h=9 m=48
